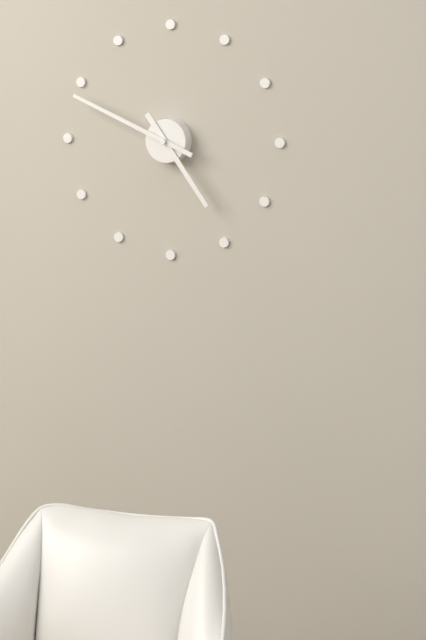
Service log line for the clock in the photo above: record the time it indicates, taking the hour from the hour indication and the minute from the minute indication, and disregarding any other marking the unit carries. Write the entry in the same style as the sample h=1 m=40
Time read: h=4 m=49
